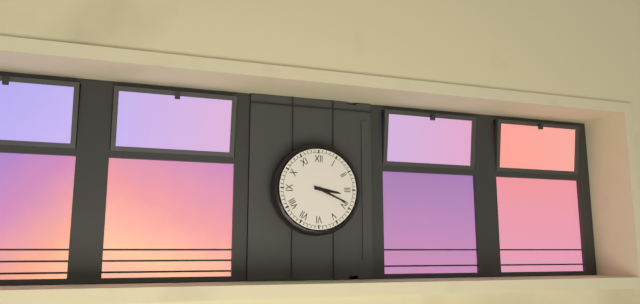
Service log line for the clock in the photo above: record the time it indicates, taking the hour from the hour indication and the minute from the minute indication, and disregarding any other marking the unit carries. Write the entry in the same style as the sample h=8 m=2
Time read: h=3 m=19
